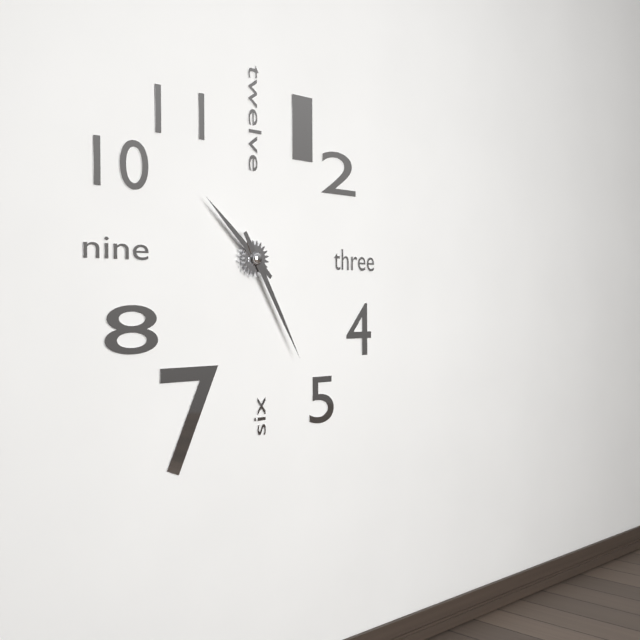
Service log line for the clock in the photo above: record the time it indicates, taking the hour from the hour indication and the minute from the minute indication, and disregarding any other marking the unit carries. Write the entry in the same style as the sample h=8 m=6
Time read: h=10 m=25
